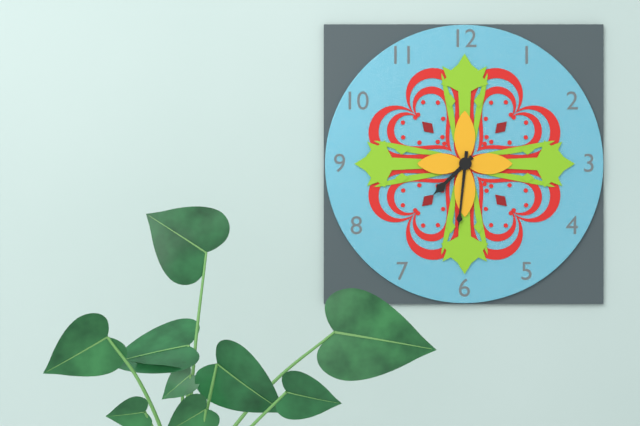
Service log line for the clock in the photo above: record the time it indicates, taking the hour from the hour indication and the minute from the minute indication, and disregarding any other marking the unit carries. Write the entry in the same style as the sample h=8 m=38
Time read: h=7 m=31
